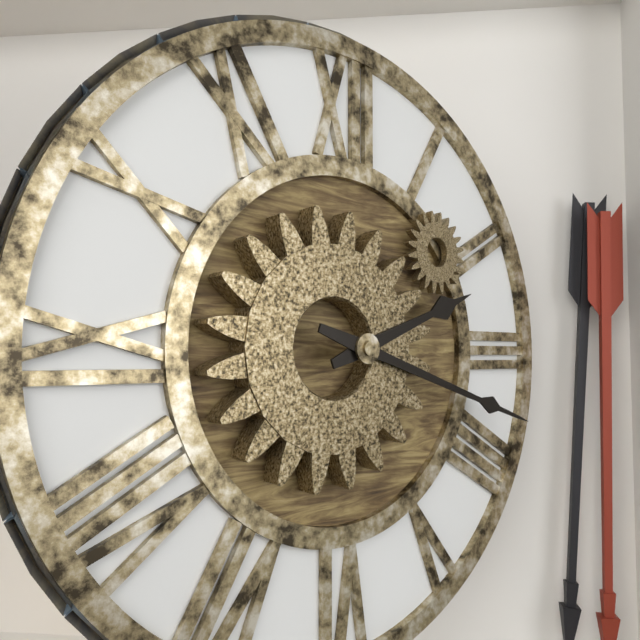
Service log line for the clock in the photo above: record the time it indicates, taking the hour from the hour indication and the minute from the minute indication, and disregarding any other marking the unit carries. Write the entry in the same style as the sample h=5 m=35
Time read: h=2 m=18
